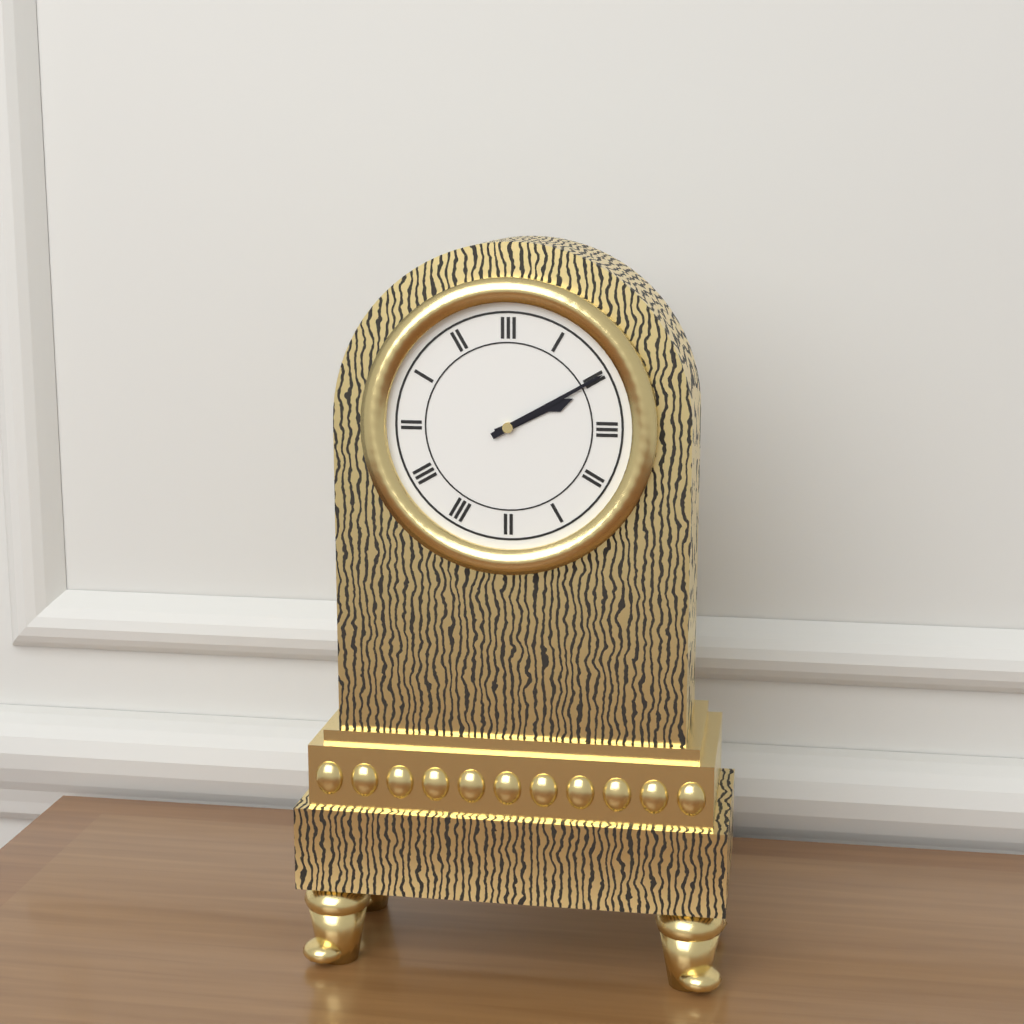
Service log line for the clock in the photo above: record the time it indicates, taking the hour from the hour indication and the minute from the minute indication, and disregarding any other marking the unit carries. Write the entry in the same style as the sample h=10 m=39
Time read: h=2 m=10
